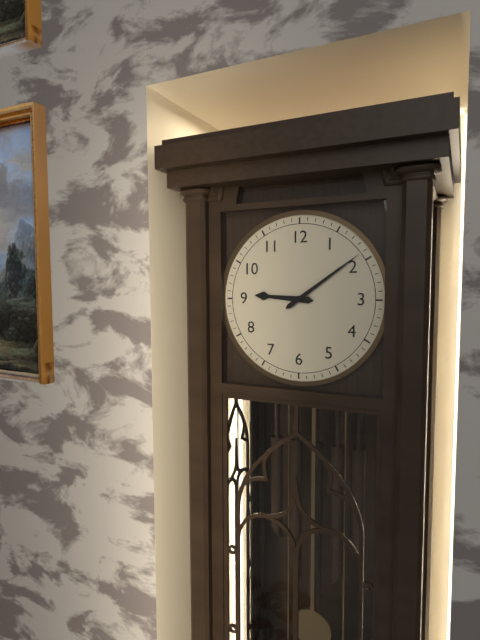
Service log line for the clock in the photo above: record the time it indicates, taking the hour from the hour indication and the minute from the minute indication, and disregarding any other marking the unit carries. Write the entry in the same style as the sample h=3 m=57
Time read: h=9 m=9
